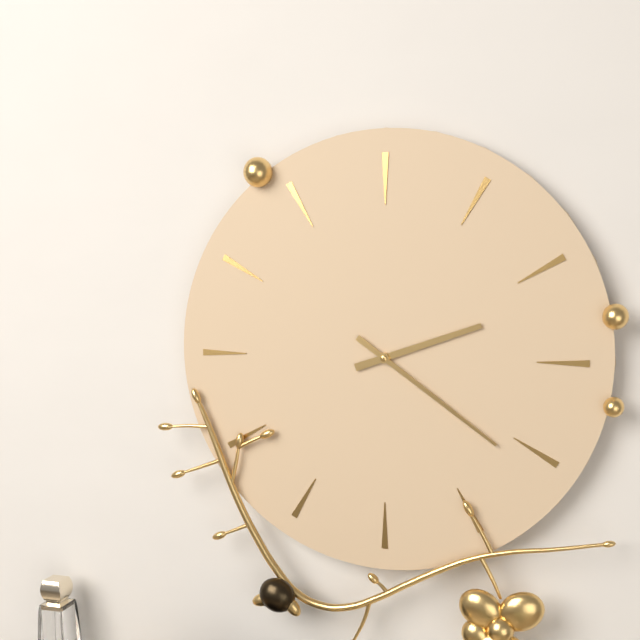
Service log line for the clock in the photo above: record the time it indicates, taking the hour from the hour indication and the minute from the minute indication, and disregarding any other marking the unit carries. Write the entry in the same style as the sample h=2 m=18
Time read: h=2 m=21
